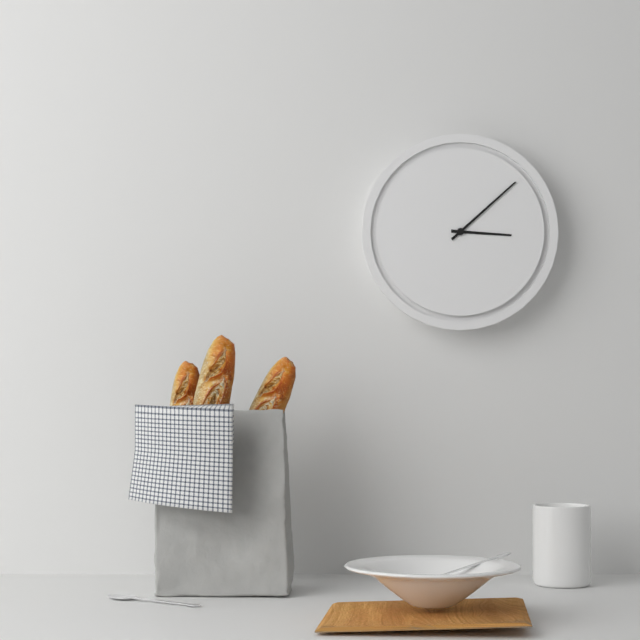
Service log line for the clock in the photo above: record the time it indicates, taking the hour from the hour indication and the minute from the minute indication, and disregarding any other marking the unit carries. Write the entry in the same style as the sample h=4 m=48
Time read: h=3 m=8
